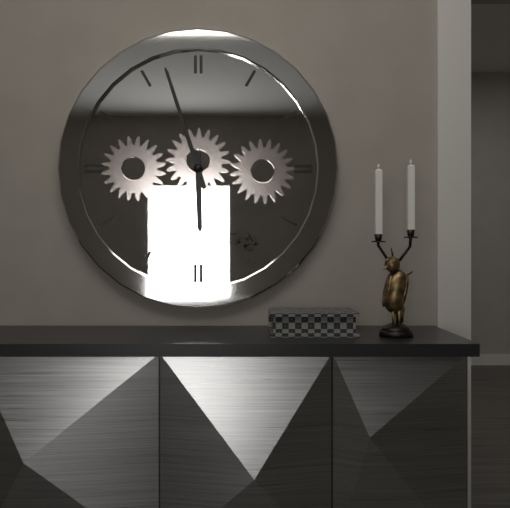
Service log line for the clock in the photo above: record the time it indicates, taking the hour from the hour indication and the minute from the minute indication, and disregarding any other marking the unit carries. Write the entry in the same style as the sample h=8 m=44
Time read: h=5 m=57
